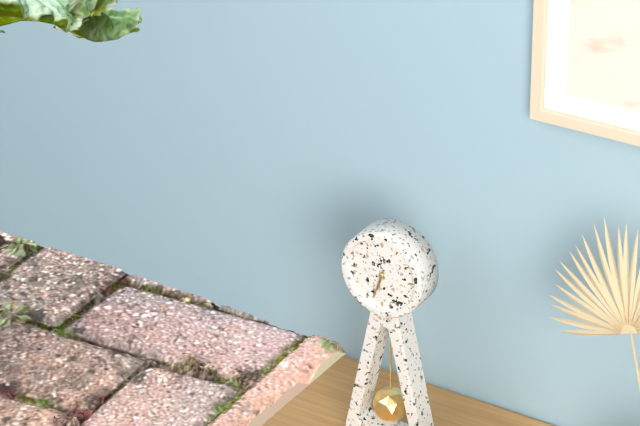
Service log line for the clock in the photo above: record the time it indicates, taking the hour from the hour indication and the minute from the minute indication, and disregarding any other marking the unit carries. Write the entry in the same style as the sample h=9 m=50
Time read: h=6 m=33
